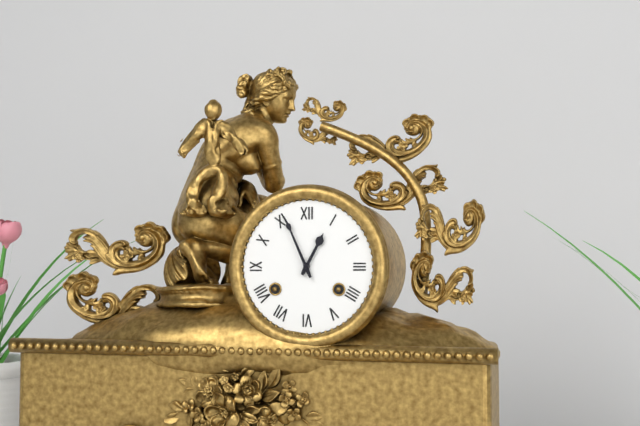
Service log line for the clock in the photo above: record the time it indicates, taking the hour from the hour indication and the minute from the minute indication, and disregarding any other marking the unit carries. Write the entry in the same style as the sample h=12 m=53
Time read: h=12 m=56
